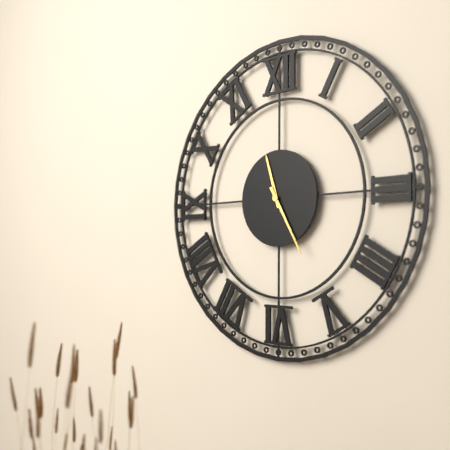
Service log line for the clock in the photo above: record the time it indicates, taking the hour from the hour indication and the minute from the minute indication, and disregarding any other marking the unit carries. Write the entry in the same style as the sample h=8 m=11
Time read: h=11 m=25
